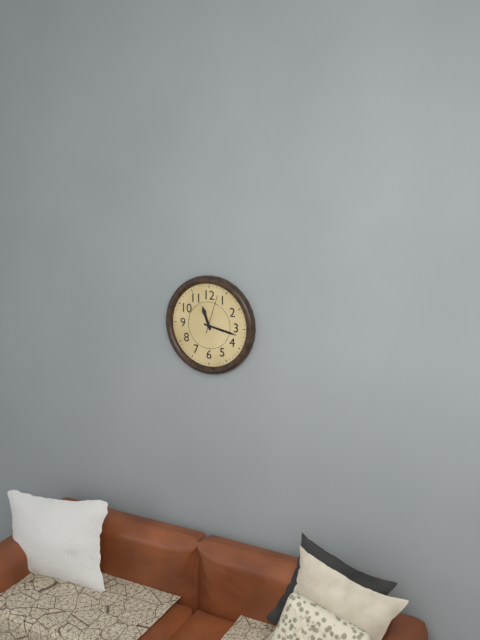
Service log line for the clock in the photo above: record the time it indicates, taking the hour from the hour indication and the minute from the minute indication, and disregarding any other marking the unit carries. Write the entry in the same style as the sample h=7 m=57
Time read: h=11 m=17
